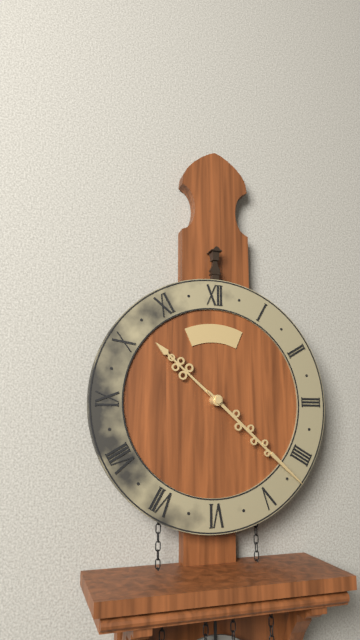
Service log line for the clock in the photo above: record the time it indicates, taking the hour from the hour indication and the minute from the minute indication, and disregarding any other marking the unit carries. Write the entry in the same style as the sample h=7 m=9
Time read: h=10 m=22
